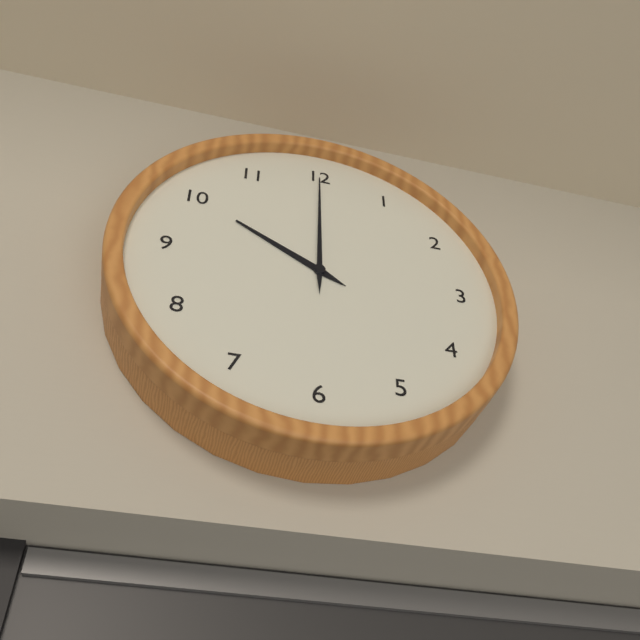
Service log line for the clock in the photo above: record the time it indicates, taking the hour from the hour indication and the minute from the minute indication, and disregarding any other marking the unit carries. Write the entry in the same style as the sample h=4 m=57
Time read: h=10 m=0
